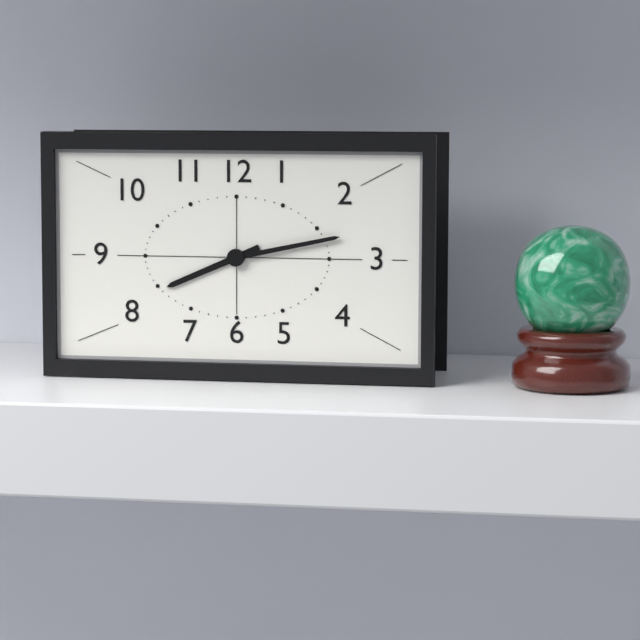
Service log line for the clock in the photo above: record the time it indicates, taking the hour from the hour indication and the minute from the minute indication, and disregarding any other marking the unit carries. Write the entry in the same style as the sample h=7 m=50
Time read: h=8 m=13
